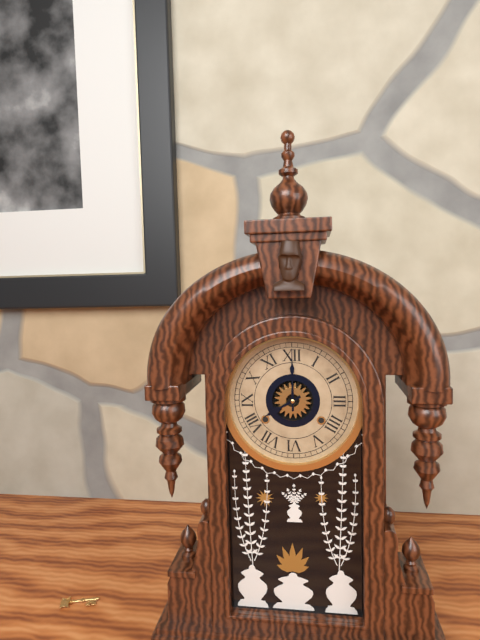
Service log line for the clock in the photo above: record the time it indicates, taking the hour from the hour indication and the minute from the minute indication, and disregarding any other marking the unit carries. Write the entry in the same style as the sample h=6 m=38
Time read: h=8 m=0
